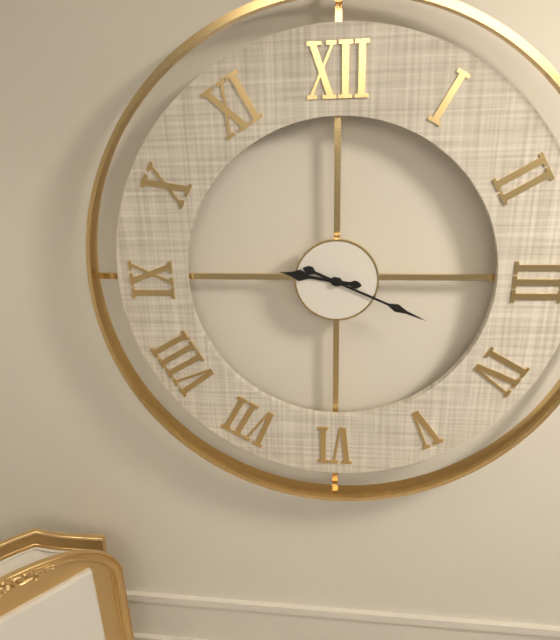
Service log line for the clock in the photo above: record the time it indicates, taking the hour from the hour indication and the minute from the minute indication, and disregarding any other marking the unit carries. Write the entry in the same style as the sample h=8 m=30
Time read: h=9 m=19
